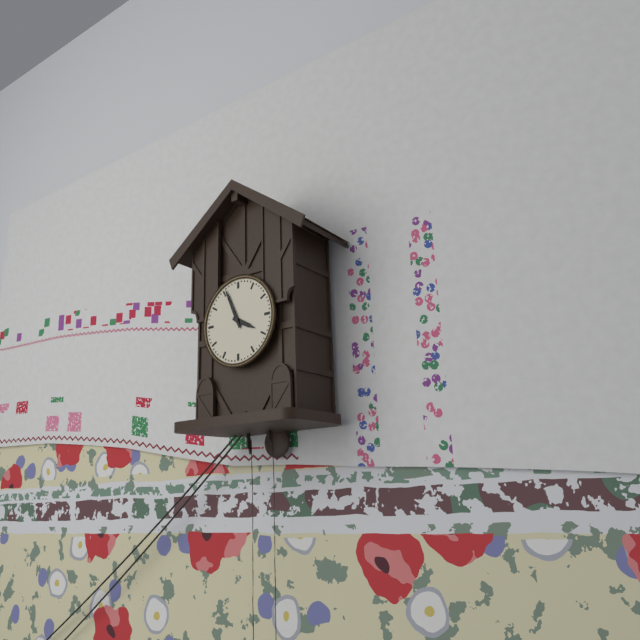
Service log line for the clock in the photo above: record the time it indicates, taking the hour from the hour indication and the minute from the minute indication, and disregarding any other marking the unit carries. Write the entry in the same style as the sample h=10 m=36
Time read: h=3 m=56
